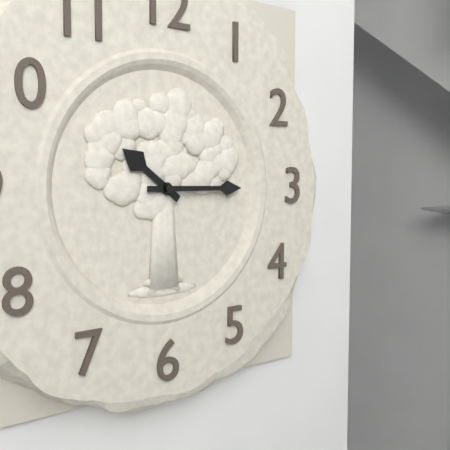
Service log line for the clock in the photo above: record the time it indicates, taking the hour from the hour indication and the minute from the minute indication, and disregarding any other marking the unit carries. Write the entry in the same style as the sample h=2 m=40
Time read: h=10 m=15
